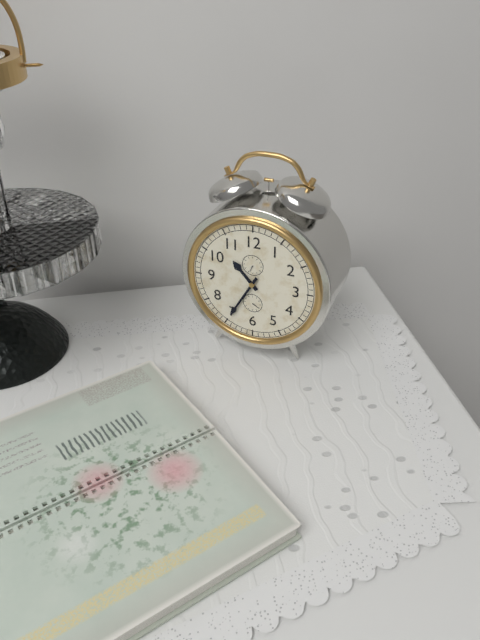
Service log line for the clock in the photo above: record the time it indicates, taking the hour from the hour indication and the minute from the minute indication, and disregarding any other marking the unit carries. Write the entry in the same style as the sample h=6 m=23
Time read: h=10 m=35
